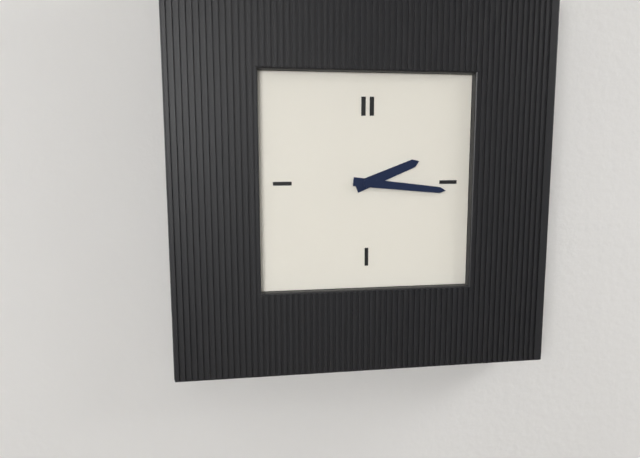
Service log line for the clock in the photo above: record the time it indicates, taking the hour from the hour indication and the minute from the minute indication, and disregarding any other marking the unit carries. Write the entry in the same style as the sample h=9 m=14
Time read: h=2 m=16
